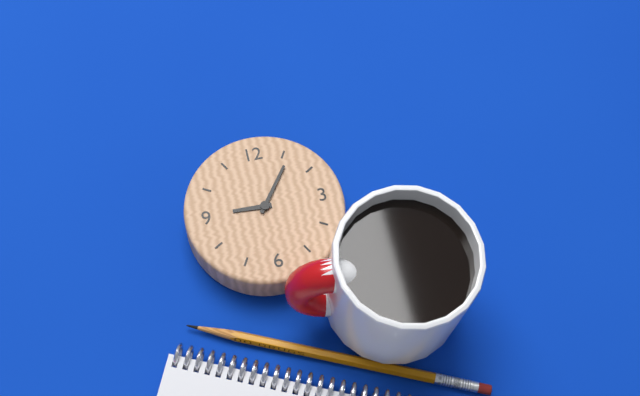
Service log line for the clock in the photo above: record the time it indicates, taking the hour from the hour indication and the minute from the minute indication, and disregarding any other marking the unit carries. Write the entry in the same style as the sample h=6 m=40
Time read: h=9 m=6
